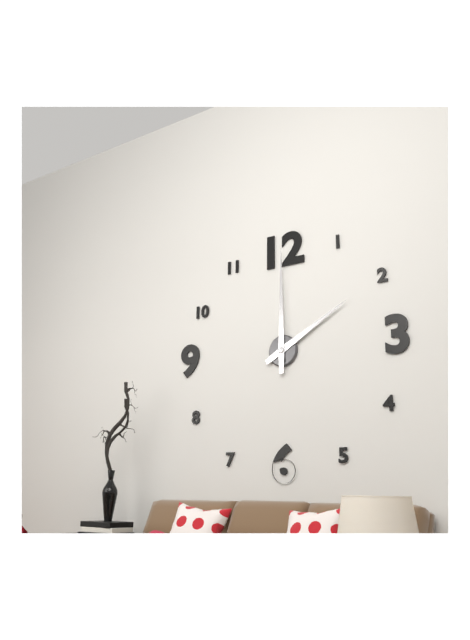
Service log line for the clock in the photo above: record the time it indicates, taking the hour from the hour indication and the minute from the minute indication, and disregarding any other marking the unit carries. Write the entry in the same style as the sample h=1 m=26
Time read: h=2 m=0
